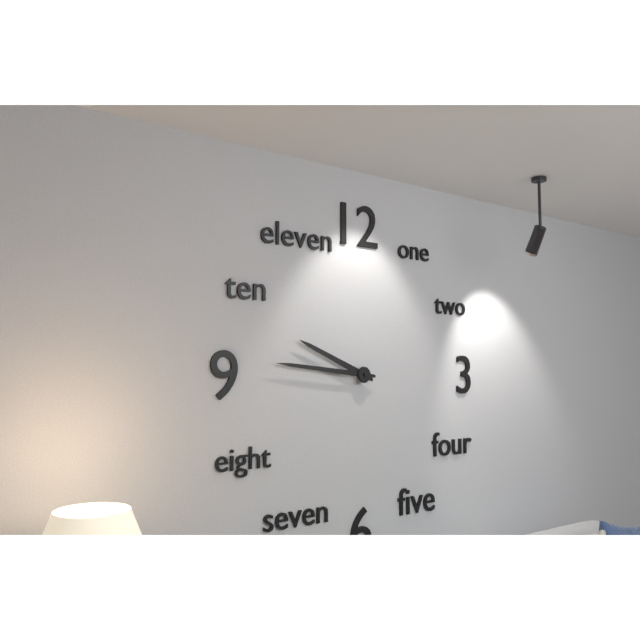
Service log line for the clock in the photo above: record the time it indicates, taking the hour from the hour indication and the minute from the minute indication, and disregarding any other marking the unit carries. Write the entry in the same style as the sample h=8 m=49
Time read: h=9 m=46
